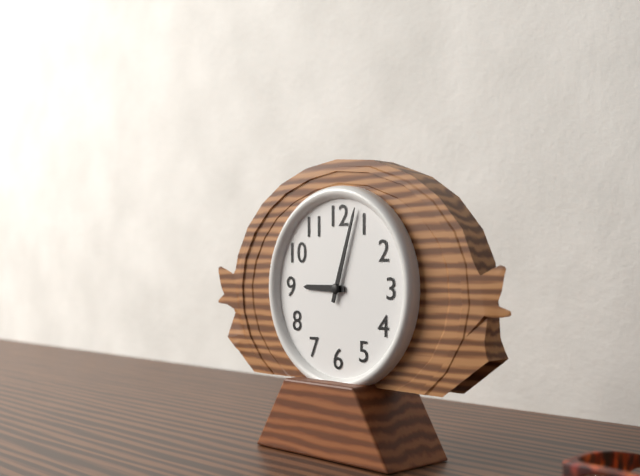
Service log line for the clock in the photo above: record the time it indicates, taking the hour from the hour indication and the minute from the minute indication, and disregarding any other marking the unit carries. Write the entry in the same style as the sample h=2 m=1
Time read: h=9 m=3
